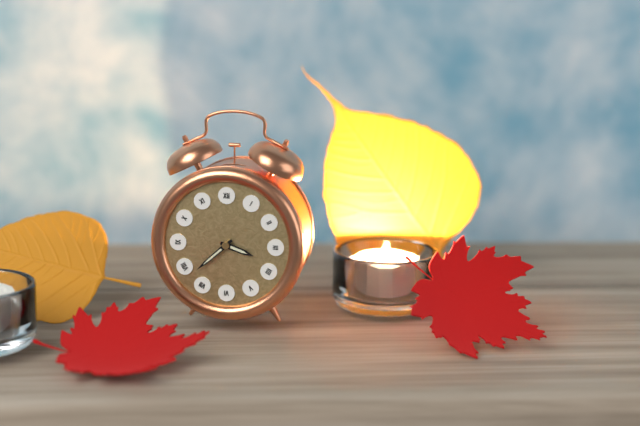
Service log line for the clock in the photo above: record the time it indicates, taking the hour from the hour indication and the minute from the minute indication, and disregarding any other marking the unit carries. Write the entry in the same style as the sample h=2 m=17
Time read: h=3 m=38
